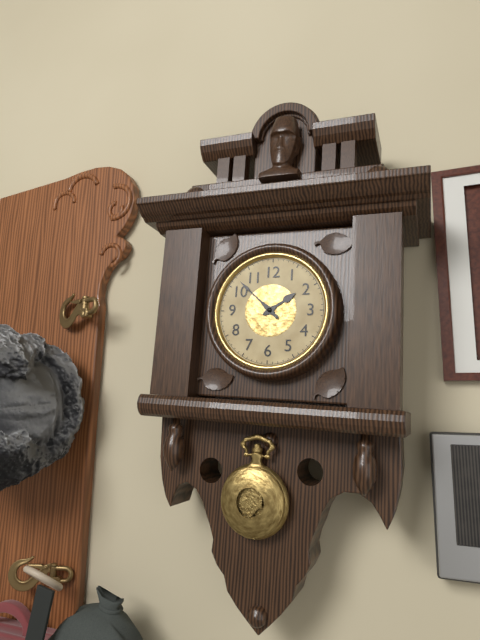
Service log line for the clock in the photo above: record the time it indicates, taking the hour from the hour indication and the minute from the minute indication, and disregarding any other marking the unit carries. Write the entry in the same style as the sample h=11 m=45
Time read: h=1 m=52
